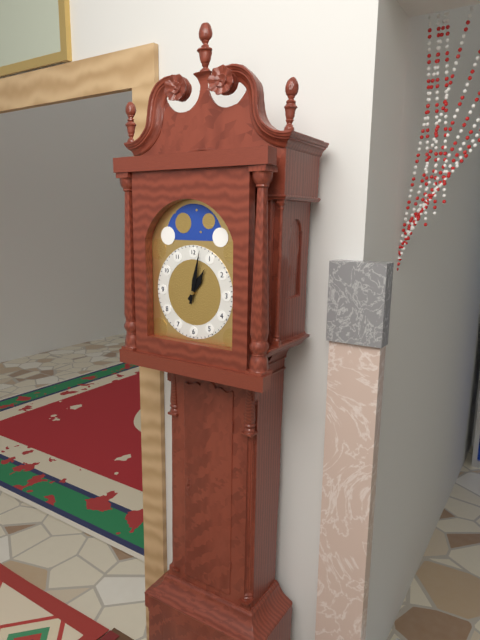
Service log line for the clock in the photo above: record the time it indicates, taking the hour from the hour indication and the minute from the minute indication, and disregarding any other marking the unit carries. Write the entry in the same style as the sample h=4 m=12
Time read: h=1 m=2
